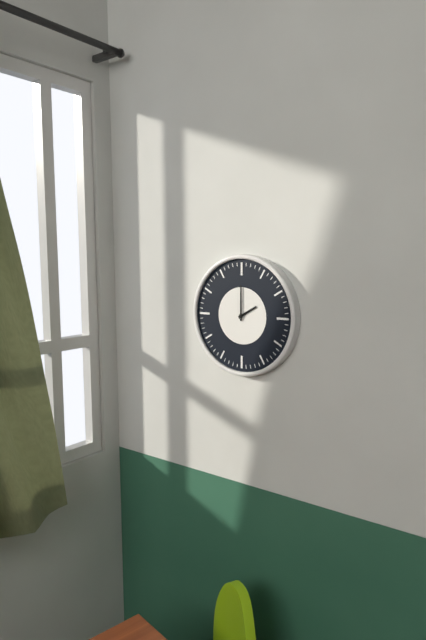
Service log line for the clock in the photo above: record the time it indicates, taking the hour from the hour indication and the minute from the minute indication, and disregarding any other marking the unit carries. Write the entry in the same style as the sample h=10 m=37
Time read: h=2 m=0
